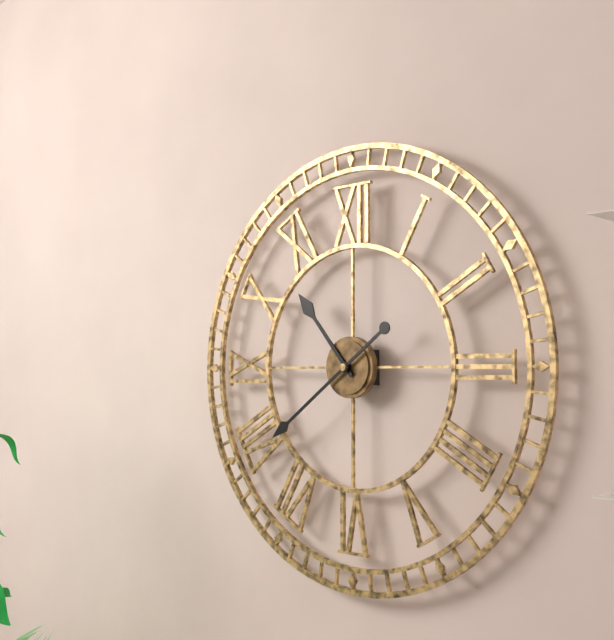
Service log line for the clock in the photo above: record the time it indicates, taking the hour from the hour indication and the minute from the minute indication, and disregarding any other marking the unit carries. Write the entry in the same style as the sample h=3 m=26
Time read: h=10 m=39
